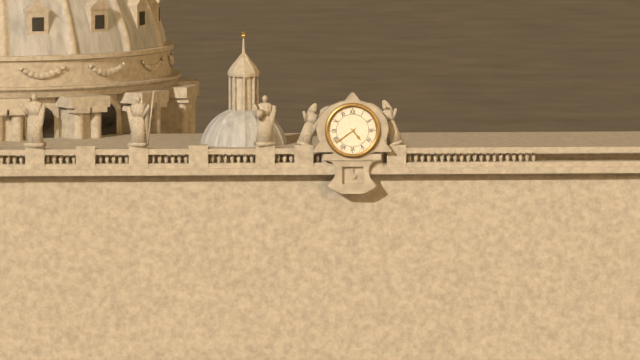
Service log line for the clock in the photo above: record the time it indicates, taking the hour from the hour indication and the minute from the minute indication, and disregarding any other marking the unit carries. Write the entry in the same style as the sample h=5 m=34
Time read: h=4 m=39
